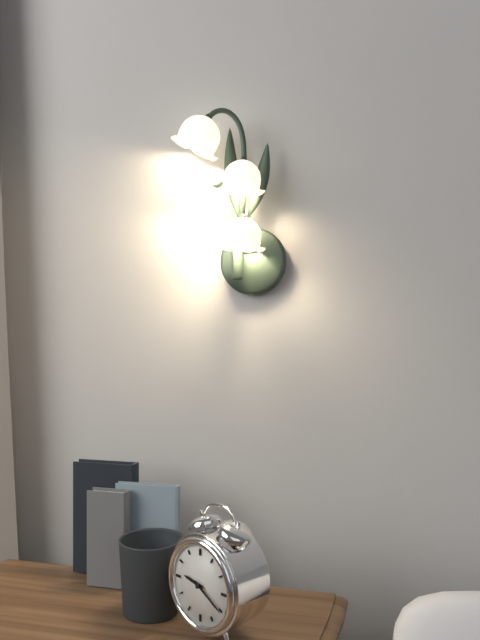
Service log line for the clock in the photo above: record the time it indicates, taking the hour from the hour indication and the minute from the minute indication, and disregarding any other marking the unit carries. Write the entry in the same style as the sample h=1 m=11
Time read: h=9 m=20
